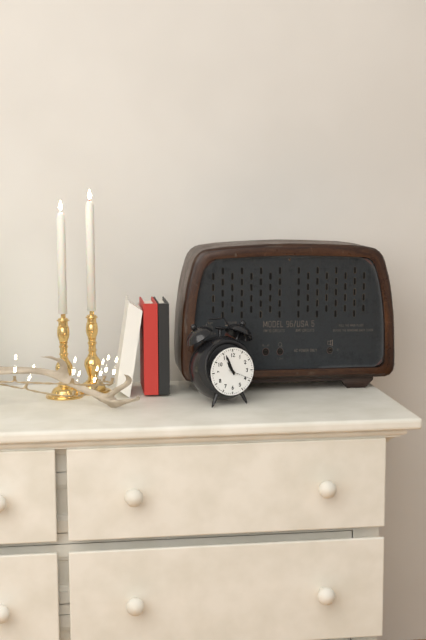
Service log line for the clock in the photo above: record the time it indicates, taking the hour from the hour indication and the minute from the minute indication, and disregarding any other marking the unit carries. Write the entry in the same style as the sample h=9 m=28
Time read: h=10 m=56
